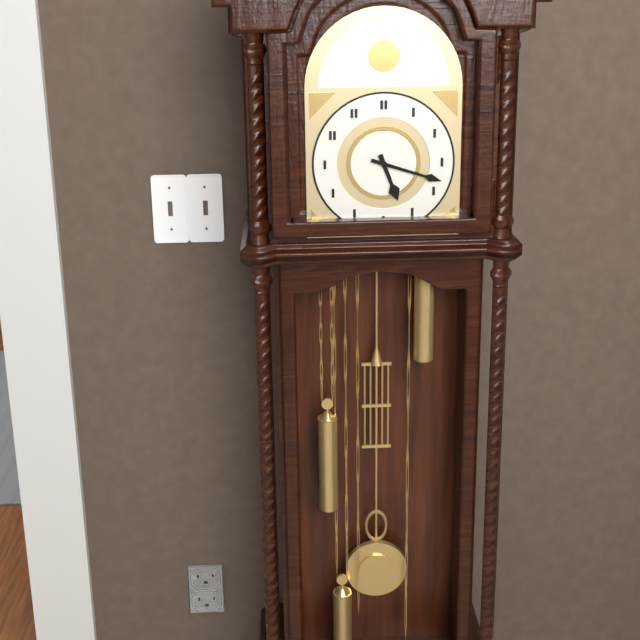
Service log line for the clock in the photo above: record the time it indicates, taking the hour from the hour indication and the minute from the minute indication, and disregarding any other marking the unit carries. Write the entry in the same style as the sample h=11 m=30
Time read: h=5 m=18
